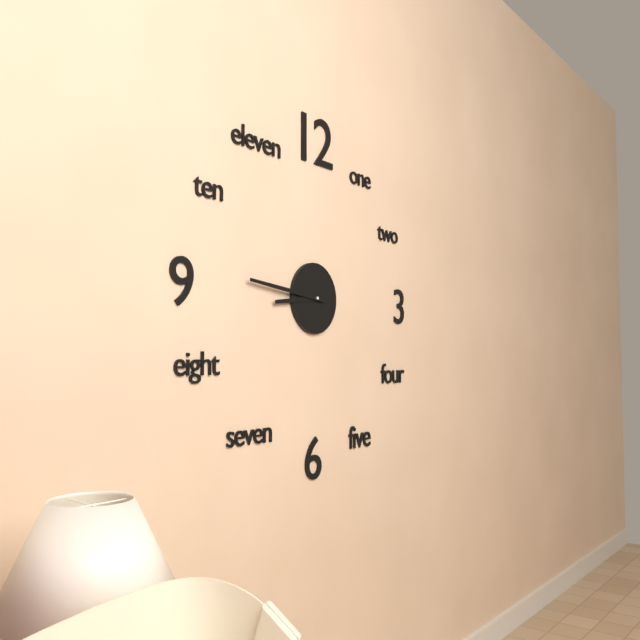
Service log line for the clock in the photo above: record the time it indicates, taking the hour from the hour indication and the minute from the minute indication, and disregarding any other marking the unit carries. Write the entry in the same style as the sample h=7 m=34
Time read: h=8 m=46
